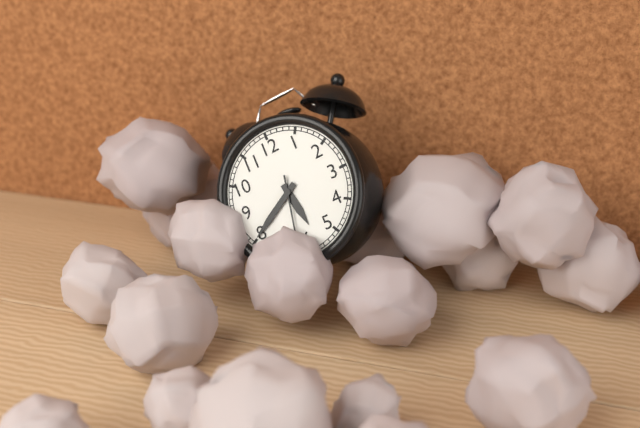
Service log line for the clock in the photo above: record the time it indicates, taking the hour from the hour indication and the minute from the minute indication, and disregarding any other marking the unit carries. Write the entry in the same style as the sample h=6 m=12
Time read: h=5 m=40
